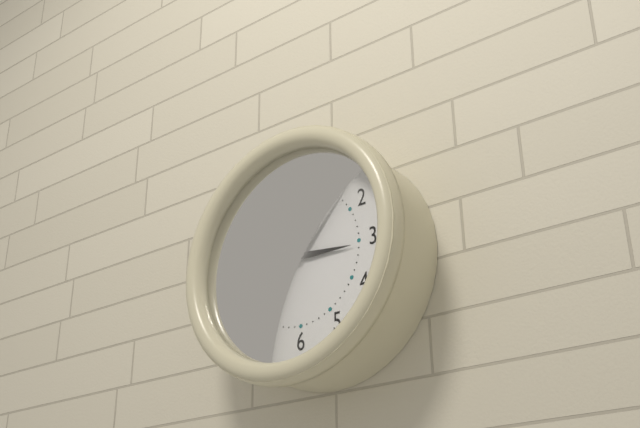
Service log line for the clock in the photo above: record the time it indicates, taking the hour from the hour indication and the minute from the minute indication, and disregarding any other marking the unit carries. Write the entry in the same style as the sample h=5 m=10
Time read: h=3 m=7
